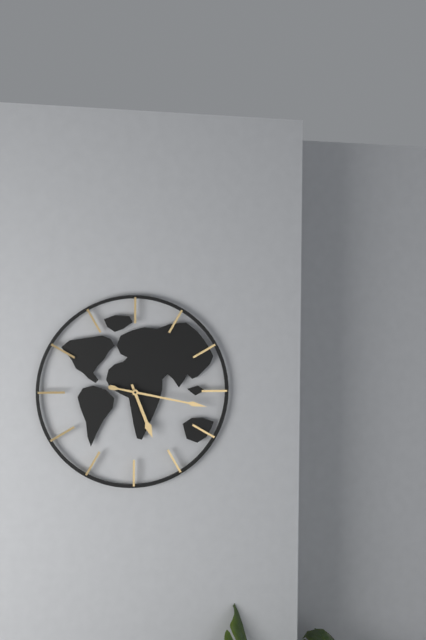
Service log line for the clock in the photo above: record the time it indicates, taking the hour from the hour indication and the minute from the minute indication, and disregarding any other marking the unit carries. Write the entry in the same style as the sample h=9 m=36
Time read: h=5 m=17
